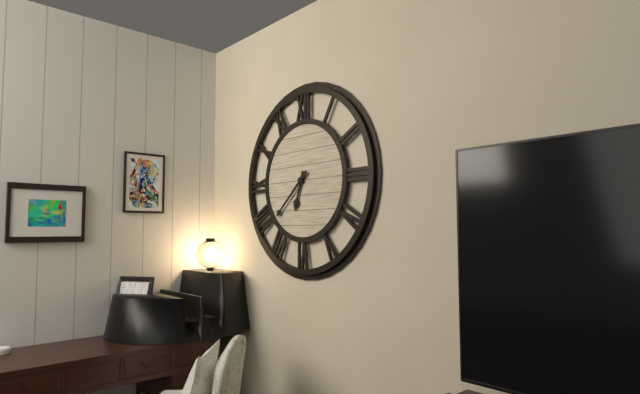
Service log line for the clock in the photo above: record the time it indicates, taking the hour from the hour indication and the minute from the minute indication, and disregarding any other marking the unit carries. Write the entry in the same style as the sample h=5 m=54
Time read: h=6 m=38
